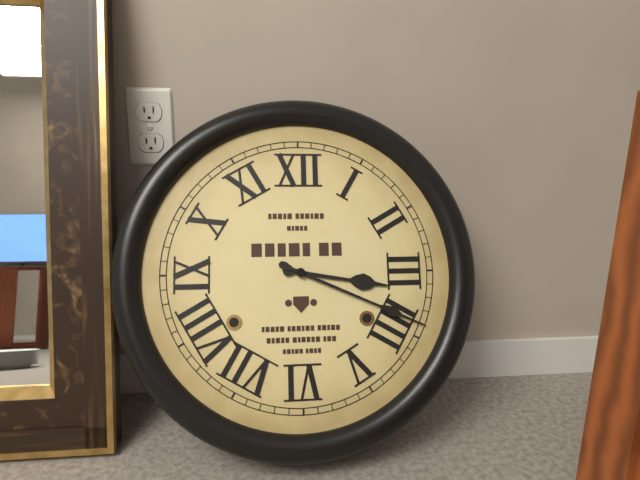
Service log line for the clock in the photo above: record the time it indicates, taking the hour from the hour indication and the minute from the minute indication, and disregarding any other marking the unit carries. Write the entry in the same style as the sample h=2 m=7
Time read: h=3 m=19
